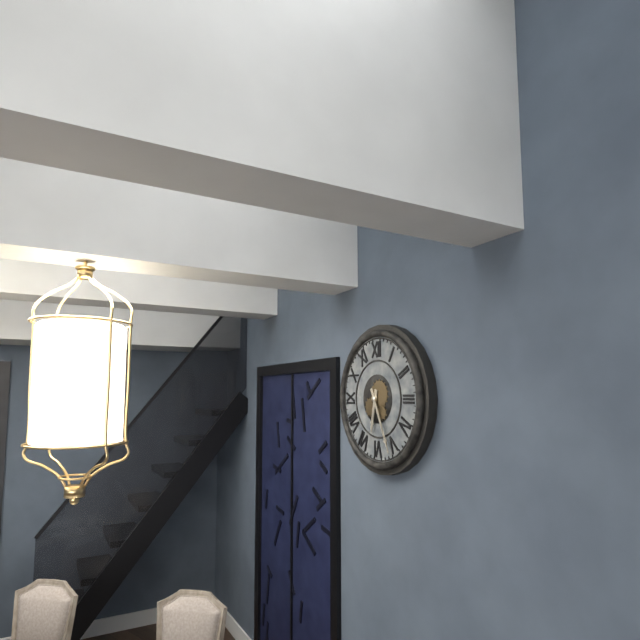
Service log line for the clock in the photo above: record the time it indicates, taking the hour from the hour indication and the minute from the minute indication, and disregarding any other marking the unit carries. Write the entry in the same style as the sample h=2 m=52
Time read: h=6 m=26
